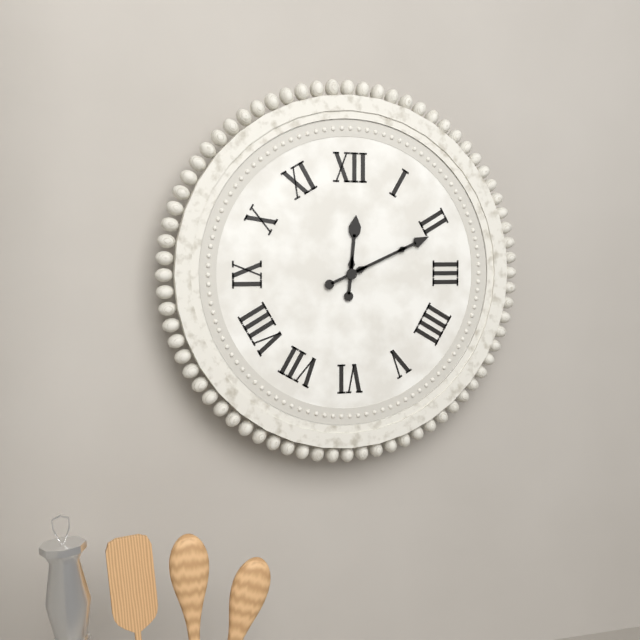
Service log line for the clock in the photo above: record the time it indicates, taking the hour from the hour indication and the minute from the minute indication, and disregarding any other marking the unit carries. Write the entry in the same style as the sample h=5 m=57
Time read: h=12 m=11
